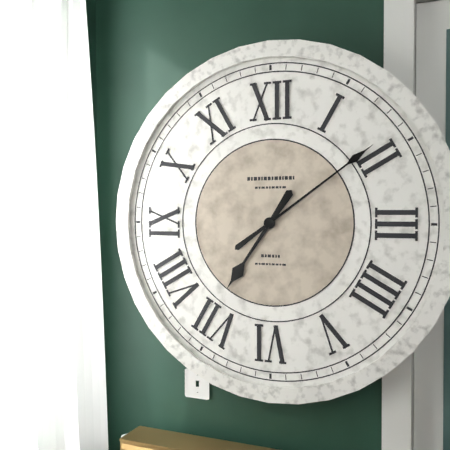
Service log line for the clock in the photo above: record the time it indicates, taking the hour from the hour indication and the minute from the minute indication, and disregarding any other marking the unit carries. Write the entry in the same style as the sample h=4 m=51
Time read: h=7 m=9
